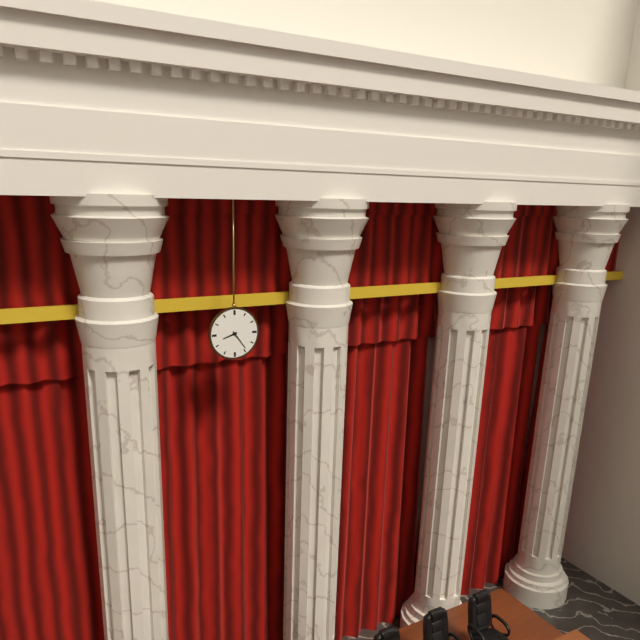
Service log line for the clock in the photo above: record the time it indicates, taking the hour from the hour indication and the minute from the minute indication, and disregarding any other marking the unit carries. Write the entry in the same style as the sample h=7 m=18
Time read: h=8 m=24
